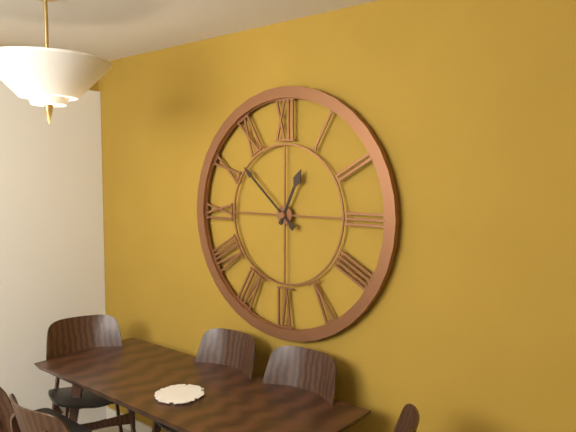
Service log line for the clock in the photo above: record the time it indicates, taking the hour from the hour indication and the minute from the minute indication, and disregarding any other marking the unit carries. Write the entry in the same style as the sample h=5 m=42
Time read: h=12 m=52
